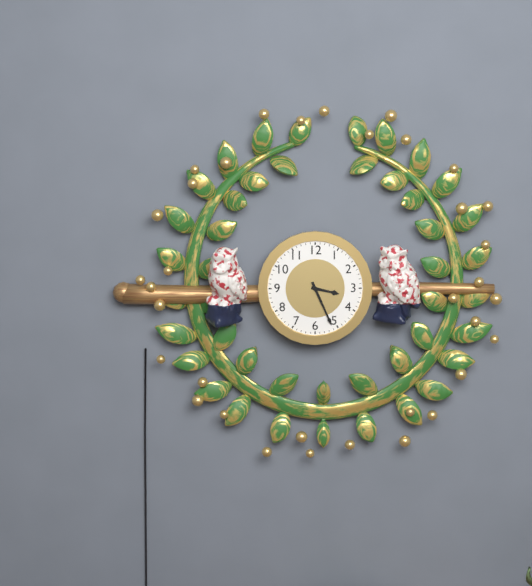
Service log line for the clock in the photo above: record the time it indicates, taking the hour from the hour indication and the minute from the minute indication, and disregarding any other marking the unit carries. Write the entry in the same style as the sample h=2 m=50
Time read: h=3 m=26
